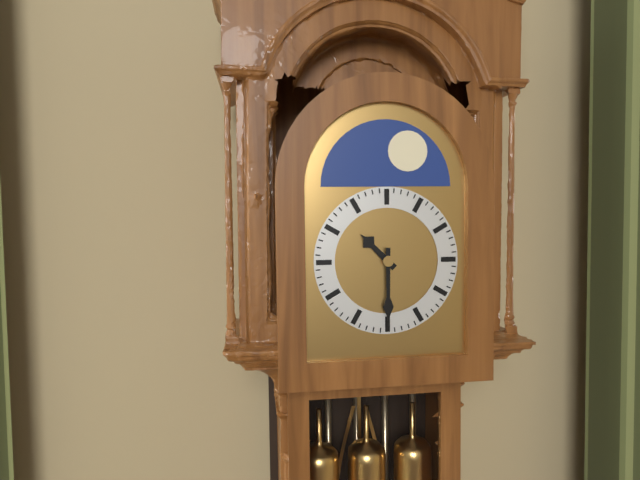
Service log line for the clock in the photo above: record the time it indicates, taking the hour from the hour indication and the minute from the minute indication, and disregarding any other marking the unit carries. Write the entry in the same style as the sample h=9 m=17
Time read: h=10 m=30
